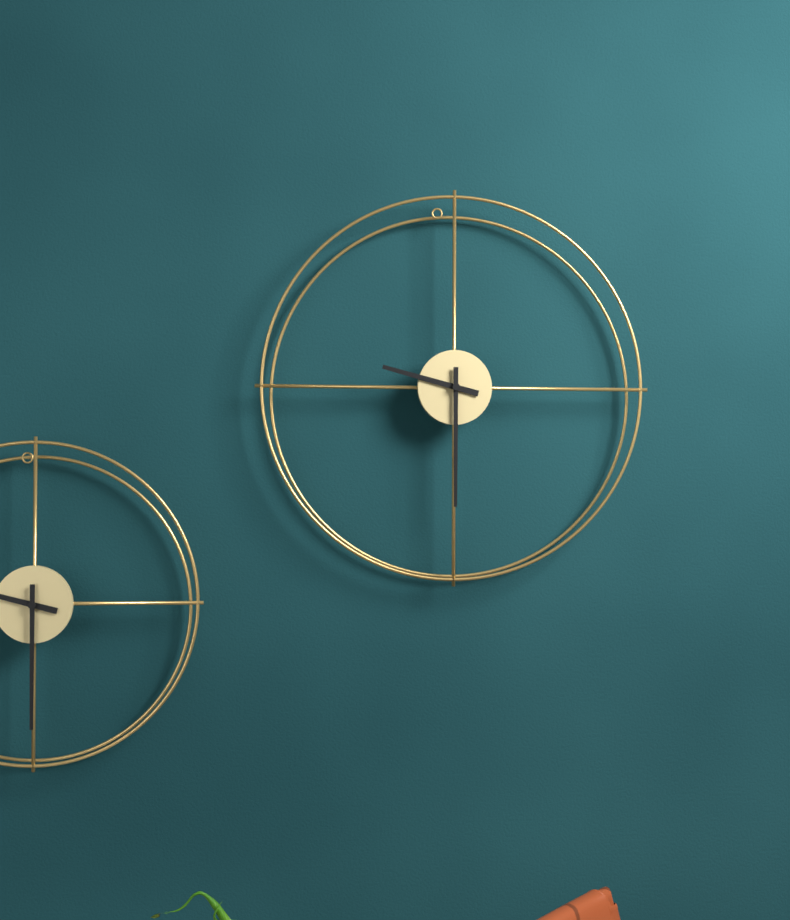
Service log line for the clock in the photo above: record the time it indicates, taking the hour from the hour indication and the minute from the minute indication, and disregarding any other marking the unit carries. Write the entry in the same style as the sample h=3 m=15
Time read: h=9 m=30
